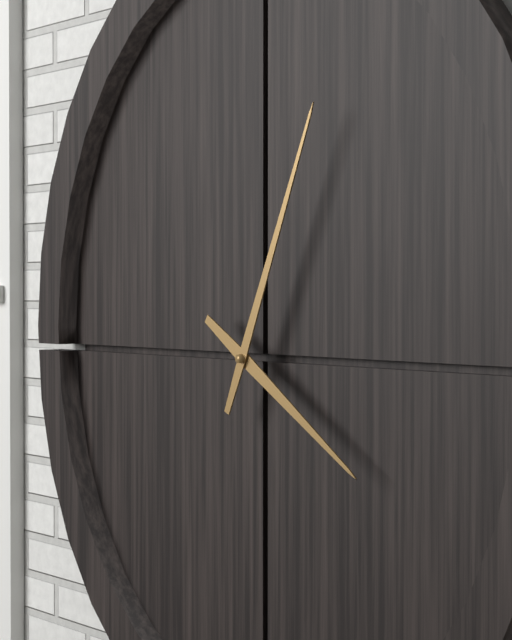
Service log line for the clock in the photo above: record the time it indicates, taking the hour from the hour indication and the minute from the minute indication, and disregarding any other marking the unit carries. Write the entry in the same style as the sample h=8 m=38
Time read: h=4 m=4
